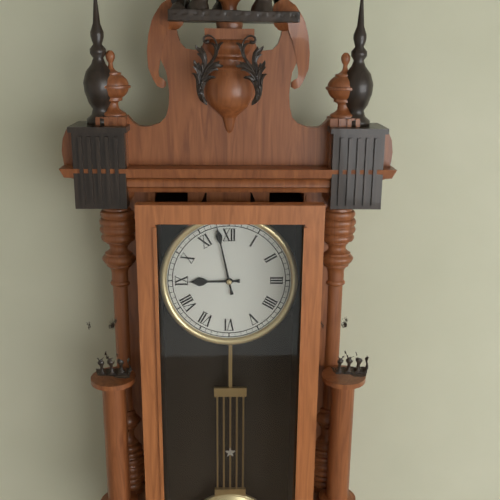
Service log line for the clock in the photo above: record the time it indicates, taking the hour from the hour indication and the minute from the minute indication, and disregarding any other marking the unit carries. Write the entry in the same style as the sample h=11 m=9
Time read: h=8 m=58
